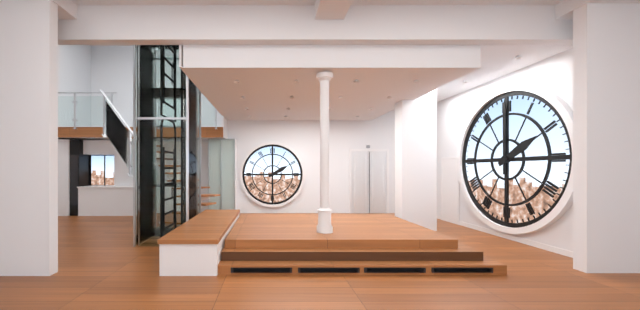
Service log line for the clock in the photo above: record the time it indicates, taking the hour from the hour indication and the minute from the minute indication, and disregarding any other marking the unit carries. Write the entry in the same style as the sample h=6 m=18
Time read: h=2 m=0
